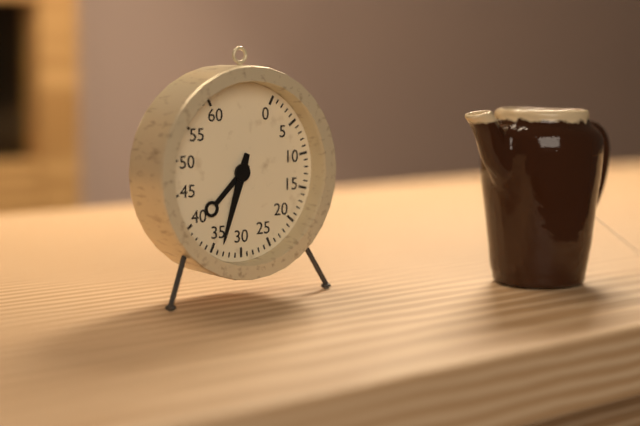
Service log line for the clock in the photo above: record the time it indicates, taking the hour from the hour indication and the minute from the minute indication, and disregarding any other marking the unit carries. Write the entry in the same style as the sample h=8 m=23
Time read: h=7 m=33
